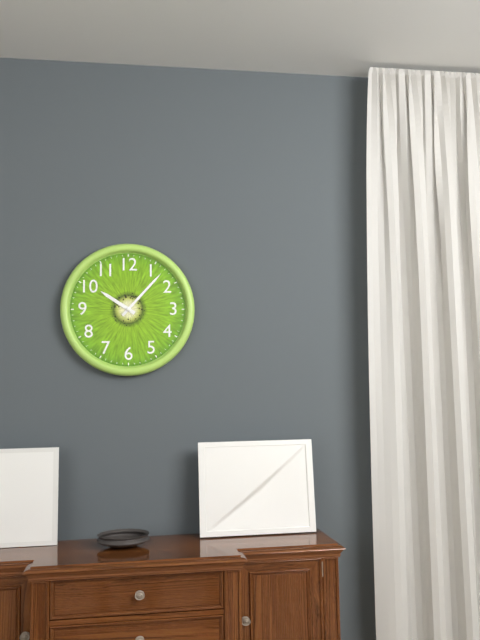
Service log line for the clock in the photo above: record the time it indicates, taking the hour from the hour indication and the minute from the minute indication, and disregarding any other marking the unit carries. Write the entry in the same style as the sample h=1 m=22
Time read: h=10 m=7
